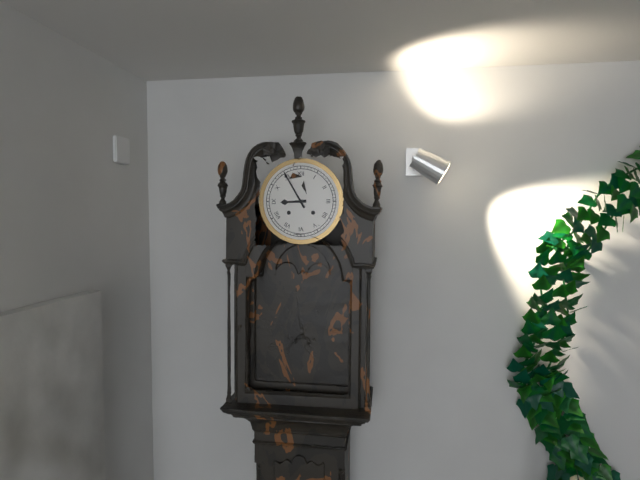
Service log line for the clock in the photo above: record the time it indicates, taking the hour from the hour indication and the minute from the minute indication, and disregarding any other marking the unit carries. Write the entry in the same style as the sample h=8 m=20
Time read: h=8 m=55
